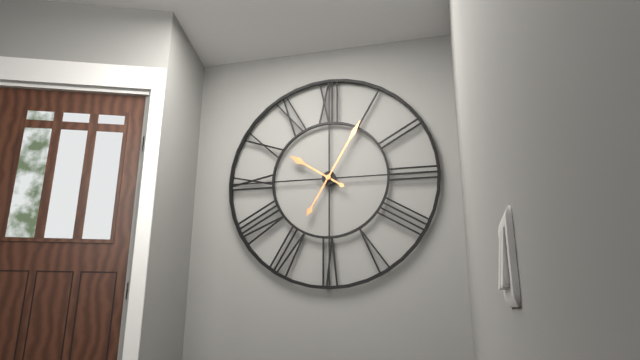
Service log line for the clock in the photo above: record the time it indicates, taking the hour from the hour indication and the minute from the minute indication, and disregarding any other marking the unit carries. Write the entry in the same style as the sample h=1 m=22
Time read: h=10 m=5
